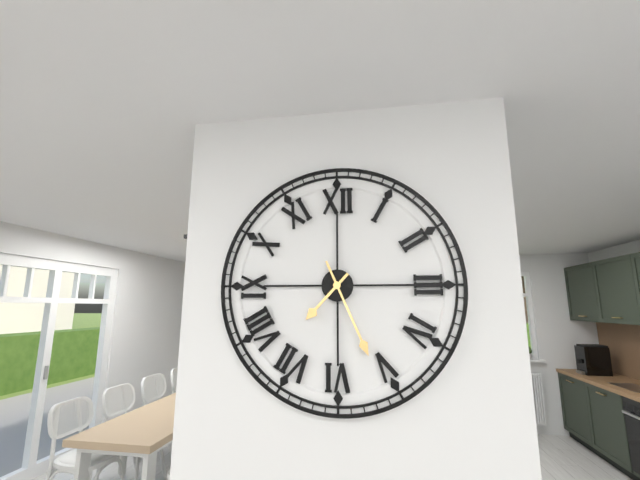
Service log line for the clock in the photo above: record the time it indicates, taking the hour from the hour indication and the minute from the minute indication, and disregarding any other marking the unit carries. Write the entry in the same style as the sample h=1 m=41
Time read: h=7 m=26
